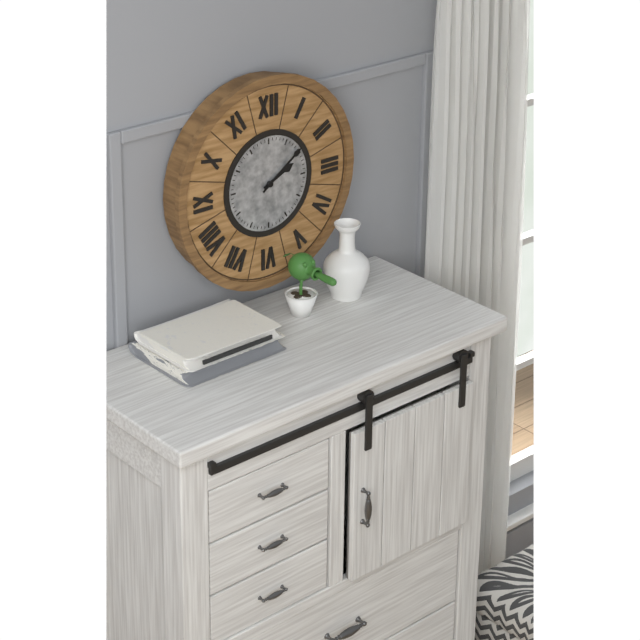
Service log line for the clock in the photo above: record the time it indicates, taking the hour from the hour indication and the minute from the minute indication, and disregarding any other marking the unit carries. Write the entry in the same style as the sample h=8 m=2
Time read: h=2 m=9
